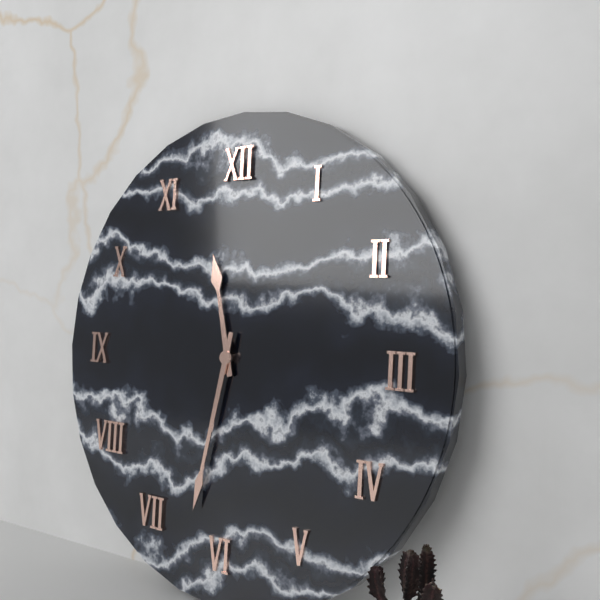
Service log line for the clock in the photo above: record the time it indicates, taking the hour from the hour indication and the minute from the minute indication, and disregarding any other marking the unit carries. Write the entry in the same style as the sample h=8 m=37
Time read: h=11 m=32
